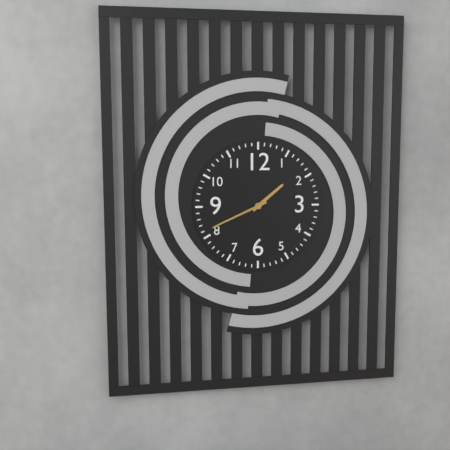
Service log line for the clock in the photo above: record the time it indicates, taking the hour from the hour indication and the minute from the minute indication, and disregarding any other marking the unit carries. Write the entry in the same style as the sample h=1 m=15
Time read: h=1 m=41
